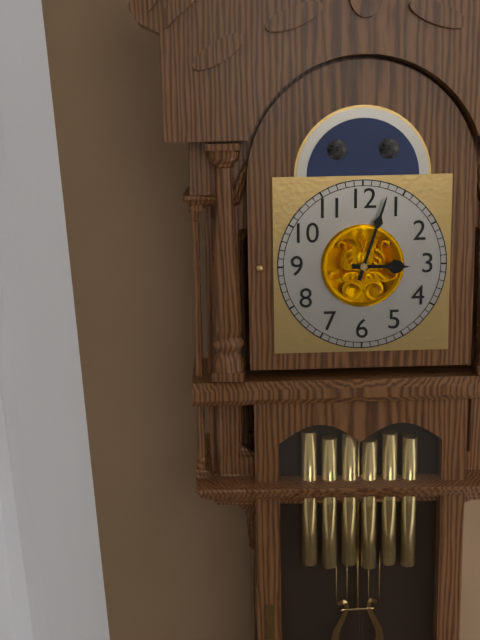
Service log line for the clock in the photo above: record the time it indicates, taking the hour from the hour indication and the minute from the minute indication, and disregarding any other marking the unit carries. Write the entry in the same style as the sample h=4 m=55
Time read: h=3 m=3
